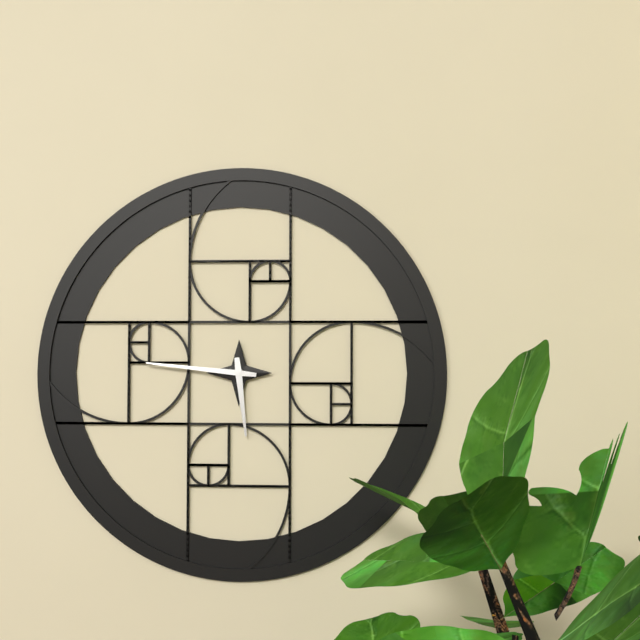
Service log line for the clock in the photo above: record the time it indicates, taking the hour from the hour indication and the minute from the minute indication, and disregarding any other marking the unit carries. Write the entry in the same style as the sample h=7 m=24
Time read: h=5 m=46
